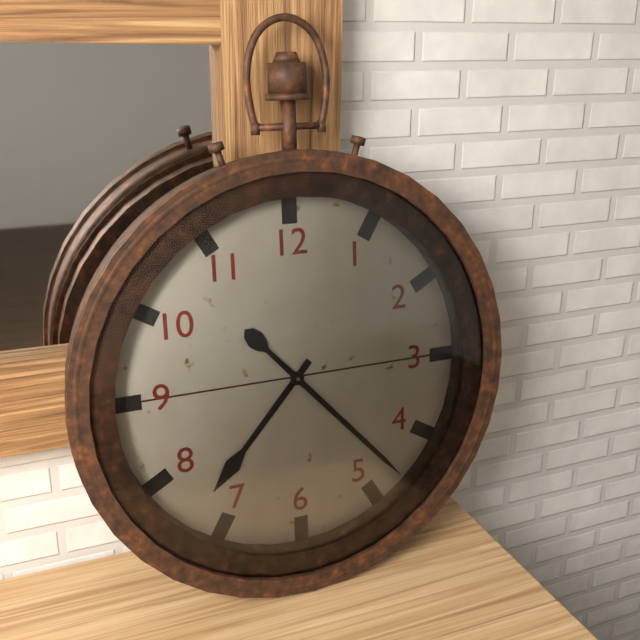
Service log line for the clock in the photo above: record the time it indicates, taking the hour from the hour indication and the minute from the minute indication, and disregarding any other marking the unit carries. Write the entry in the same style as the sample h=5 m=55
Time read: h=7 m=23
